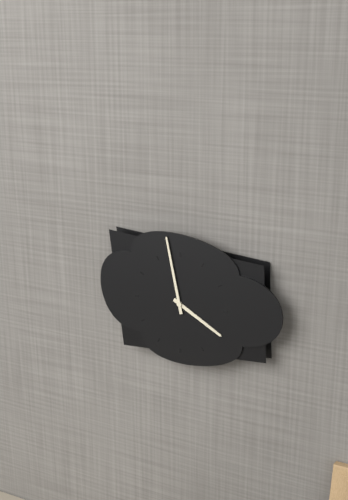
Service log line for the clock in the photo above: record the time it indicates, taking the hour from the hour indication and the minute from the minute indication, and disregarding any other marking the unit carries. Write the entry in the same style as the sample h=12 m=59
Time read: h=3 m=58
